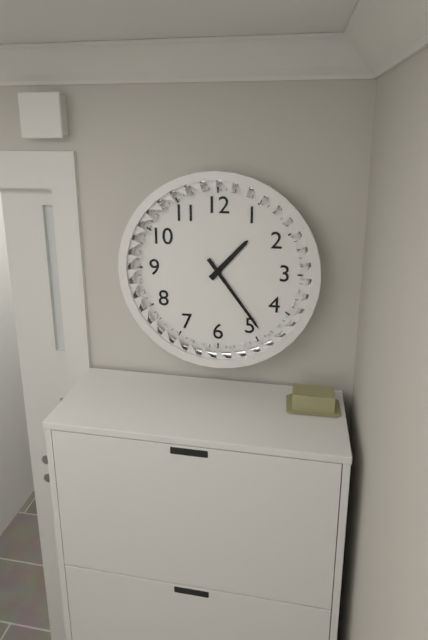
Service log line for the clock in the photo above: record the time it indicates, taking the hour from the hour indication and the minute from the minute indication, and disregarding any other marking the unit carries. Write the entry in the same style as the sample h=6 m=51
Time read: h=1 m=24
